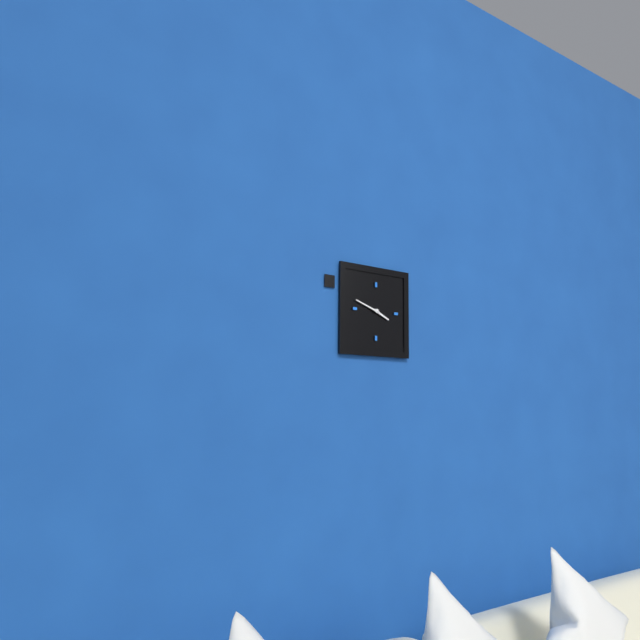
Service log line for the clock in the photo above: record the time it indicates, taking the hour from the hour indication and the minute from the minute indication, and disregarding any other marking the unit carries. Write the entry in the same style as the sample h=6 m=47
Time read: h=3 m=48
